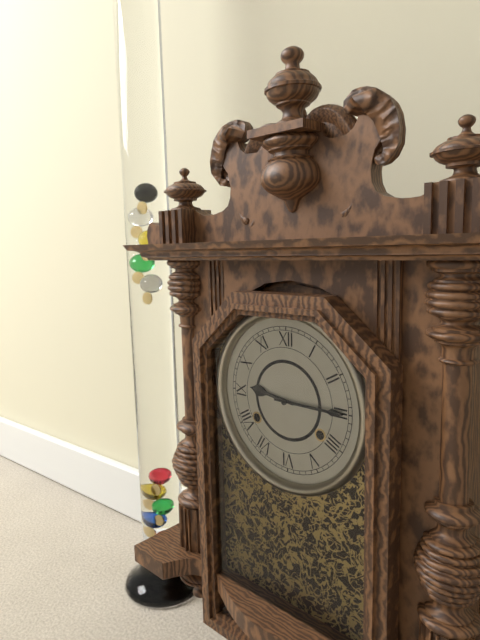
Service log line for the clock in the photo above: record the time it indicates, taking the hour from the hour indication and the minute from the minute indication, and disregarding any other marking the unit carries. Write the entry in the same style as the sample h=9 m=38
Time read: h=9 m=15
